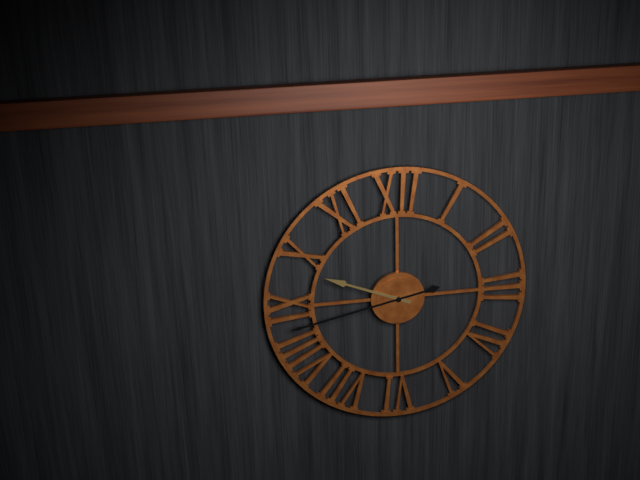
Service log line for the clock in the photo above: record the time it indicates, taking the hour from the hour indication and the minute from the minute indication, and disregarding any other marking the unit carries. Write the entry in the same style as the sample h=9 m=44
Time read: h=9 m=43
